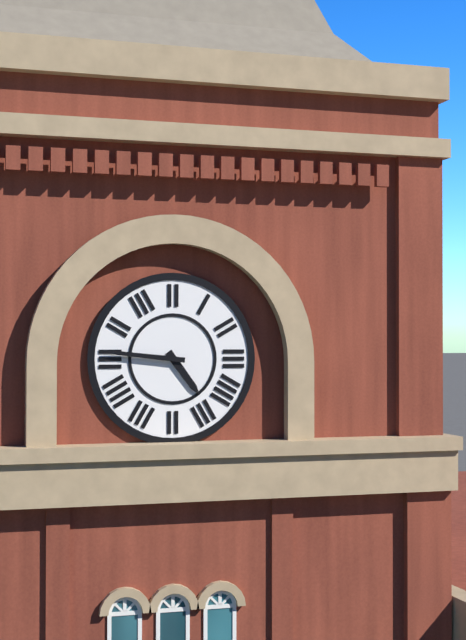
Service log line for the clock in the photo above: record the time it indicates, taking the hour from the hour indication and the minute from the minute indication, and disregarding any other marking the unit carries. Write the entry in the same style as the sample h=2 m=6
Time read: h=4 m=46
